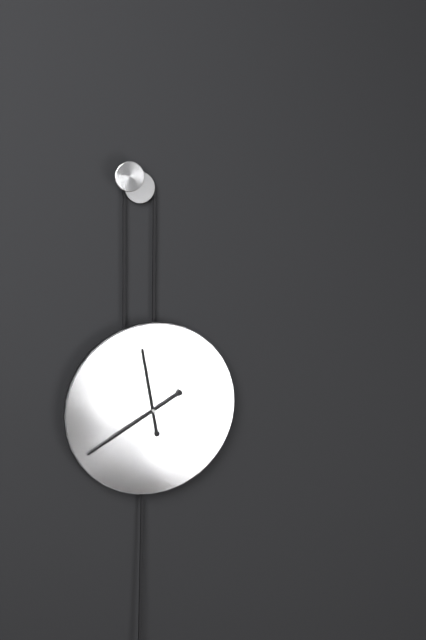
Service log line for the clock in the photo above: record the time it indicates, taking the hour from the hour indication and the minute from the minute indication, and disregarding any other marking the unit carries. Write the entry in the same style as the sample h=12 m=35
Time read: h=11 m=40
